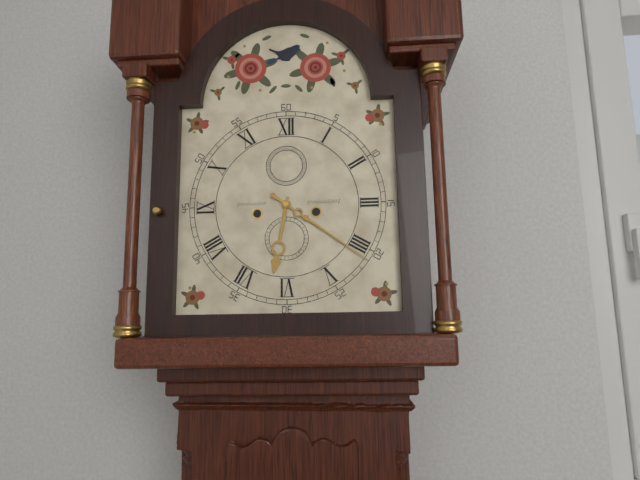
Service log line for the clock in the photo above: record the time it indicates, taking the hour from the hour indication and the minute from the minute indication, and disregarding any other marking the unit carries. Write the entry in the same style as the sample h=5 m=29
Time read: h=6 m=21
